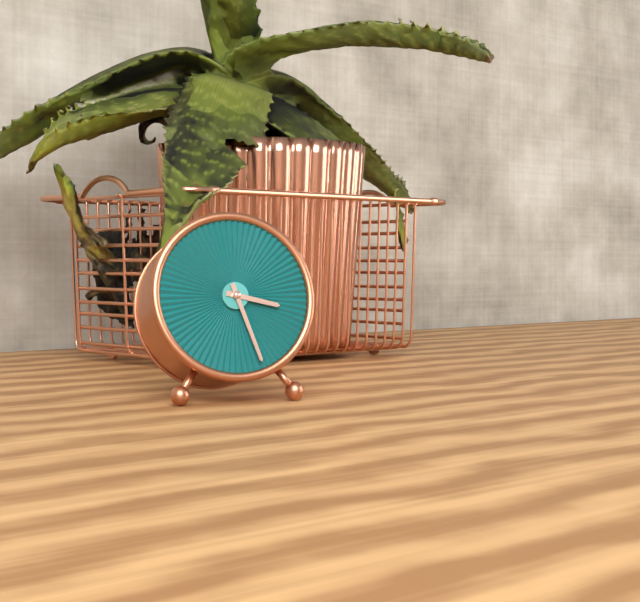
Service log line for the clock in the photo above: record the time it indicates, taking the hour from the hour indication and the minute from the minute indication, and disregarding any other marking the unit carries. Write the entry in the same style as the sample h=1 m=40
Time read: h=3 m=27
